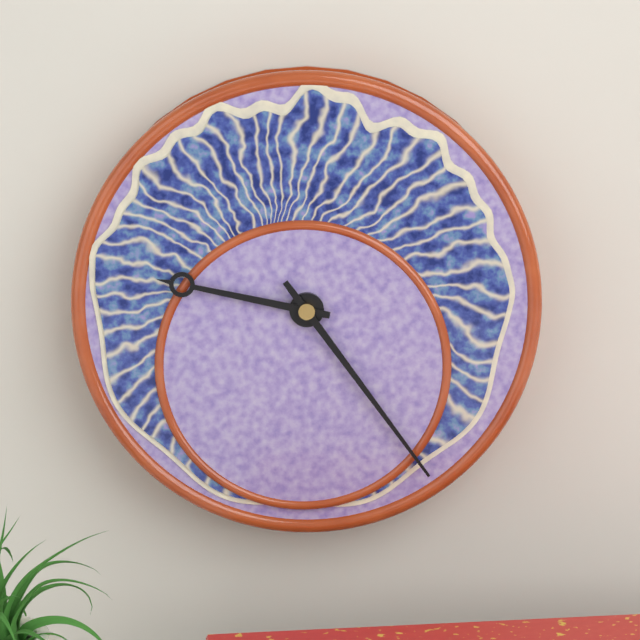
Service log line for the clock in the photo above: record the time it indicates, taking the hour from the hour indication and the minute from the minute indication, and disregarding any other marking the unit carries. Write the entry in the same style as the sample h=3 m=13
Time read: h=9 m=24
